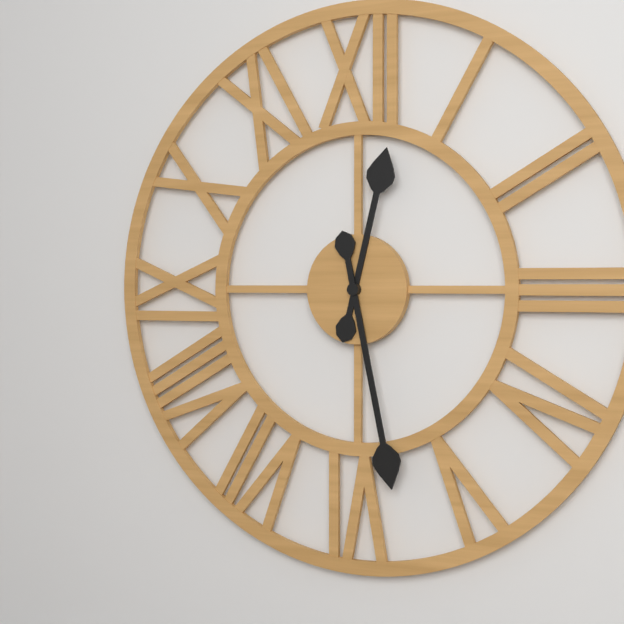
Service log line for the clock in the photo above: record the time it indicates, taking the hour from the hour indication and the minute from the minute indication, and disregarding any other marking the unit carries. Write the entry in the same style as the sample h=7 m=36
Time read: h=12 m=28
